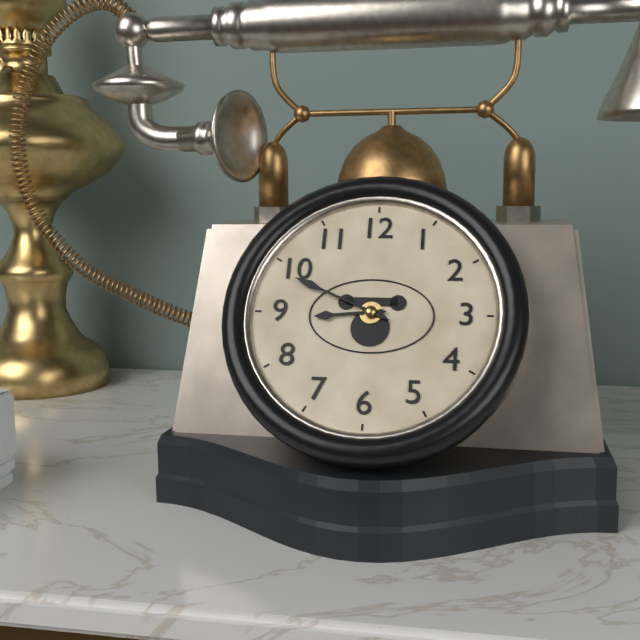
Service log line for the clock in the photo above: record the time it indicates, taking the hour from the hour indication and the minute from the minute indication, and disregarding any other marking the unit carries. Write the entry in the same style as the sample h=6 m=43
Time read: h=8 m=49
